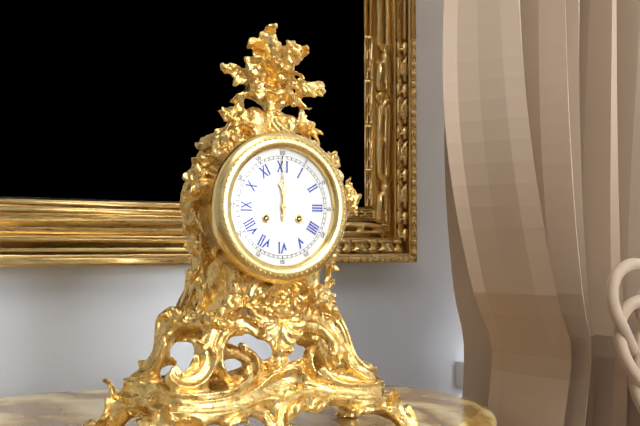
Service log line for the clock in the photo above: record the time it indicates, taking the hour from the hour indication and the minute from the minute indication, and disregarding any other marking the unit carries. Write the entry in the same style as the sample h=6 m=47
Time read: h=12 m=0
